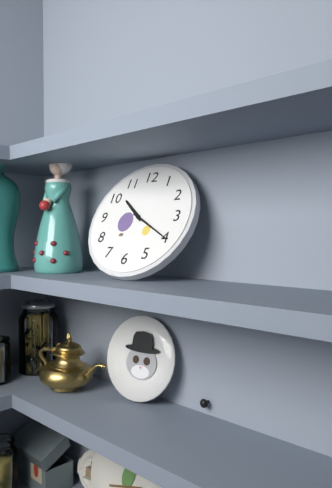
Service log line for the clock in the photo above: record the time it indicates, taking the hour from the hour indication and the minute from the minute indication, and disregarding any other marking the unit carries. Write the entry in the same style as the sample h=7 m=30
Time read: h=10 m=20
